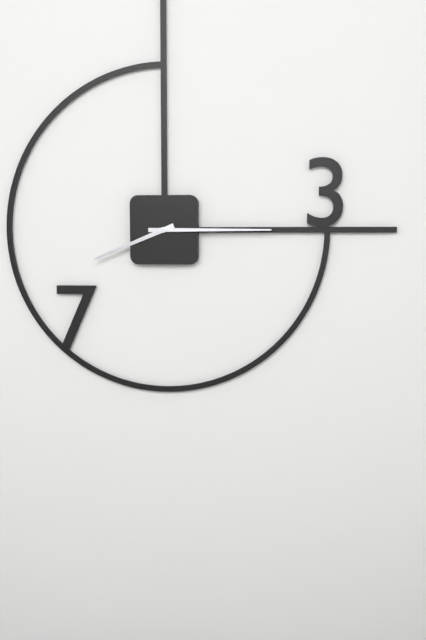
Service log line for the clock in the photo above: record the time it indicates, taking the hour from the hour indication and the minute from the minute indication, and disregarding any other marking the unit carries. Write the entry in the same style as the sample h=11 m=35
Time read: h=8 m=15
